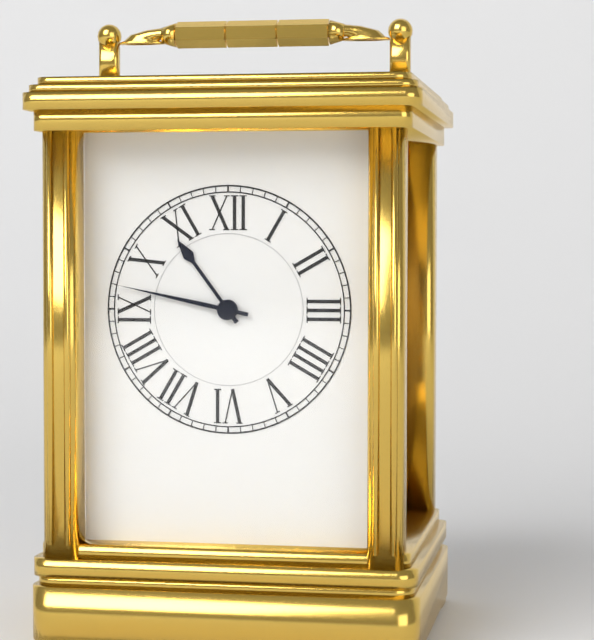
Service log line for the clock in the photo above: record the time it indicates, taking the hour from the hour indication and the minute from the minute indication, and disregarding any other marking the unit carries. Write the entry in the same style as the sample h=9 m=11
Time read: h=10 m=47
